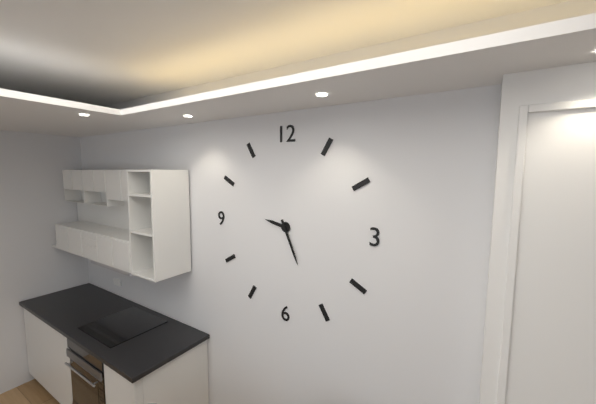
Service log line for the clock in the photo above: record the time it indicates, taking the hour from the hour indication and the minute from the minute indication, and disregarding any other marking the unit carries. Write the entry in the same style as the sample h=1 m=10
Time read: h=9 m=26
